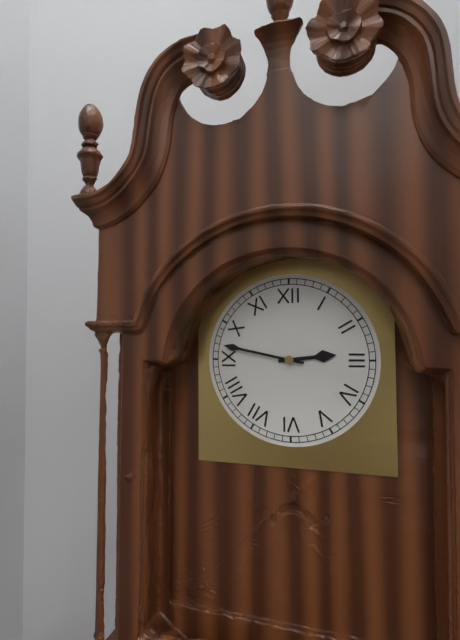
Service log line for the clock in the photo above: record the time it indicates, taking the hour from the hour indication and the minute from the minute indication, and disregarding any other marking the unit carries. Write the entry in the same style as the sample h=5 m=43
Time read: h=2 m=47
